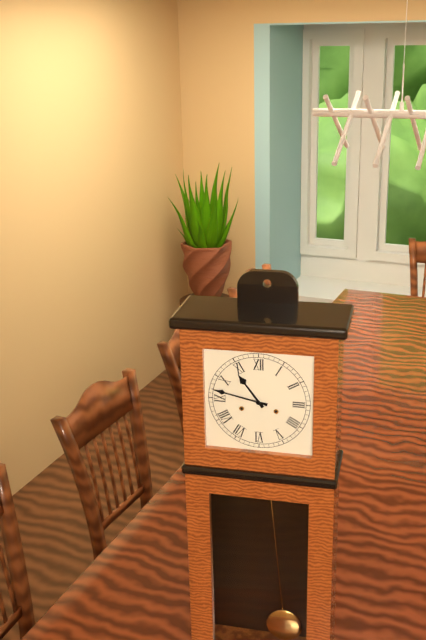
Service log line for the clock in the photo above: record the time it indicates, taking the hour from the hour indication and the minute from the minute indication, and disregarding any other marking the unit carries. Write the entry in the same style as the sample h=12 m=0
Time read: h=10 m=47
